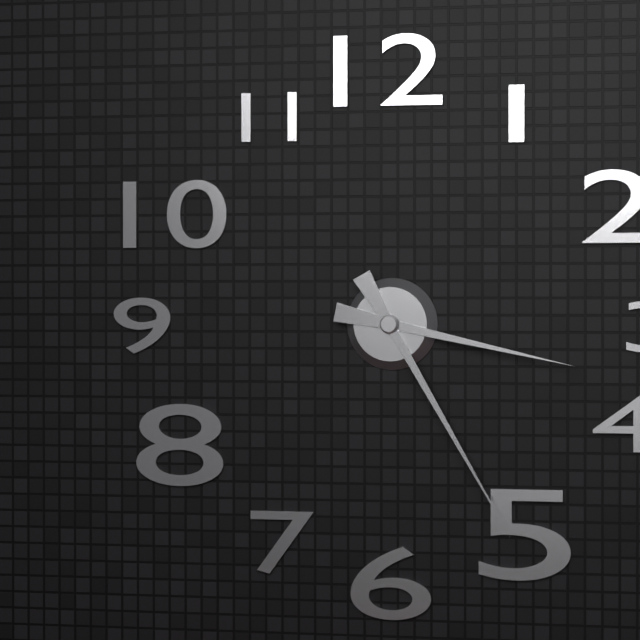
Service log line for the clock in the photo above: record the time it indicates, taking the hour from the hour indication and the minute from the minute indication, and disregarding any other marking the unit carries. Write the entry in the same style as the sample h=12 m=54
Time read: h=3 m=25
